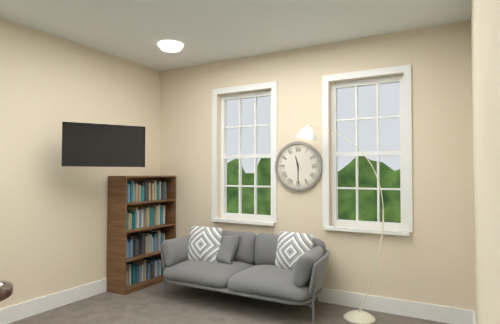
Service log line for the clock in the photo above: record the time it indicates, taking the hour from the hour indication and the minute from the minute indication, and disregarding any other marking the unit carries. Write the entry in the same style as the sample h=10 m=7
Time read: h=11 m=30
